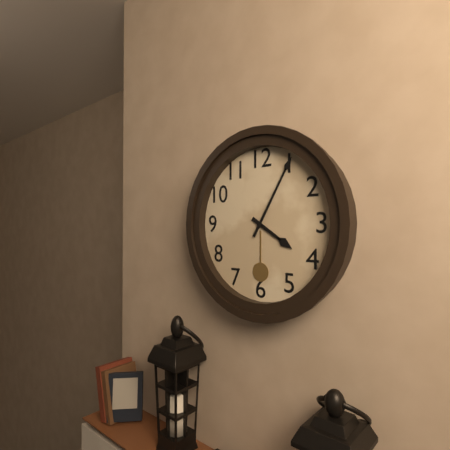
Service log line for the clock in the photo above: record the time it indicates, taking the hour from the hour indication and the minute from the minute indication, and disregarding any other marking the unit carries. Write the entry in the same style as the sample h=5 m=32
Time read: h=4 m=5
